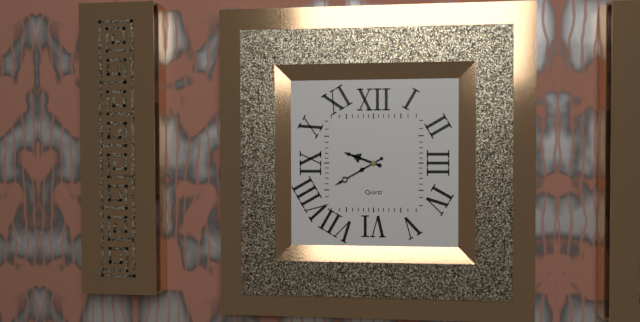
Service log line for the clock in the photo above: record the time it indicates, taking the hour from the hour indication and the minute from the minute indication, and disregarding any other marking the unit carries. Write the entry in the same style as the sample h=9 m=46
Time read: h=9 m=40
